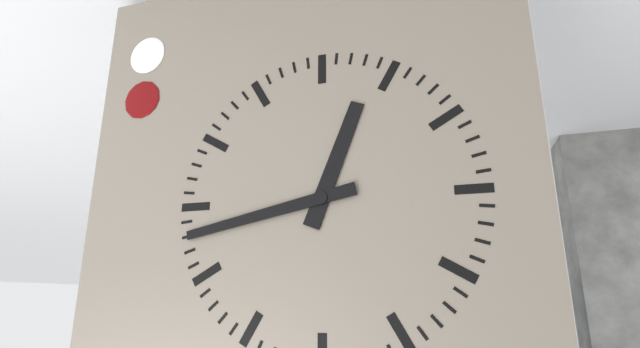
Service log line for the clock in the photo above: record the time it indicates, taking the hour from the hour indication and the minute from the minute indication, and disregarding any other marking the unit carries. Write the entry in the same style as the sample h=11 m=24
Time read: h=12 m=43
